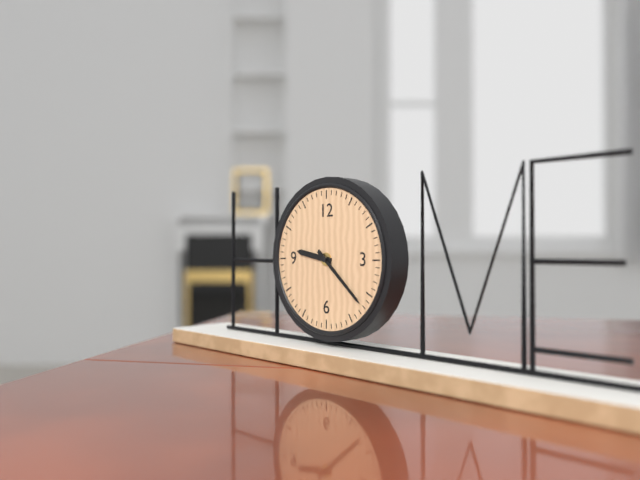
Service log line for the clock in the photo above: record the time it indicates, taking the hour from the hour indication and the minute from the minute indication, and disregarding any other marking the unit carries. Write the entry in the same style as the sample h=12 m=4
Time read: h=9 m=22
